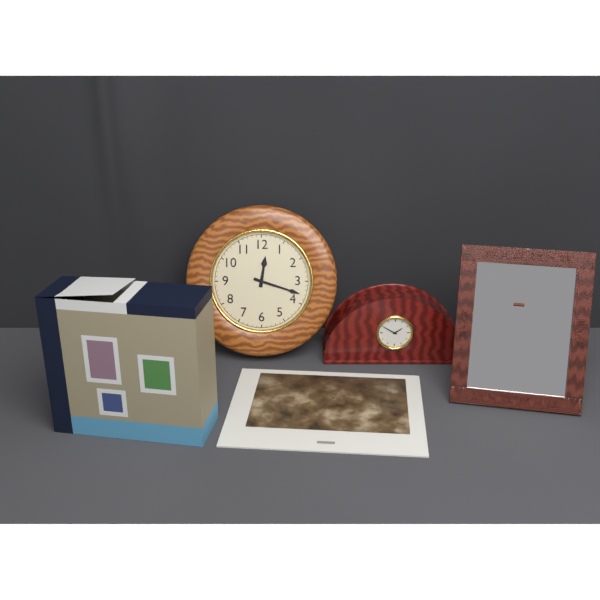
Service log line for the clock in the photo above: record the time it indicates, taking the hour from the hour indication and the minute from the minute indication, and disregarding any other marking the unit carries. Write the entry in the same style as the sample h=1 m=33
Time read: h=12 m=18
